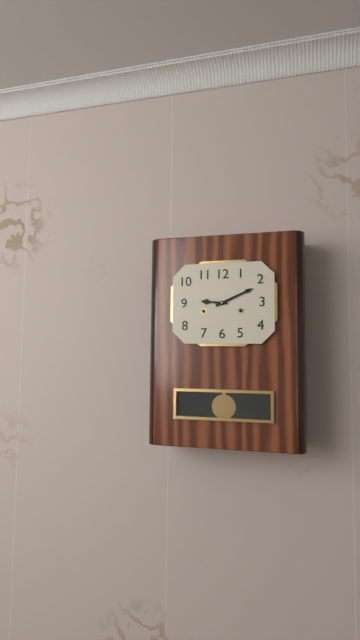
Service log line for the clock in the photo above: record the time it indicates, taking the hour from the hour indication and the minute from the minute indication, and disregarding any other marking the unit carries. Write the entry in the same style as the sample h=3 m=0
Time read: h=9 m=11
